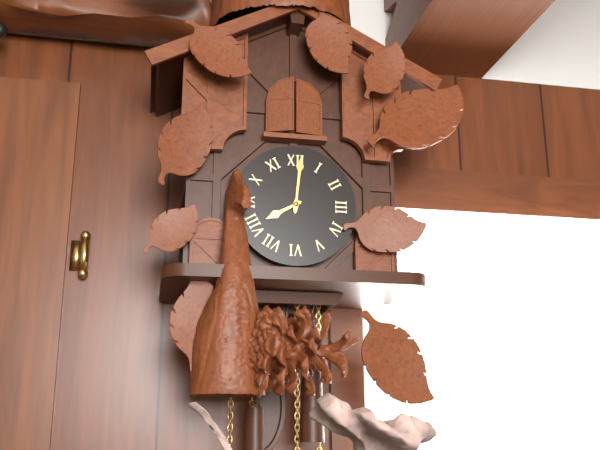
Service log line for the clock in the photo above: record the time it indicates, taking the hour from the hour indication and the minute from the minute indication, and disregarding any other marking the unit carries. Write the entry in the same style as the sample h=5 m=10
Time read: h=8 m=1
